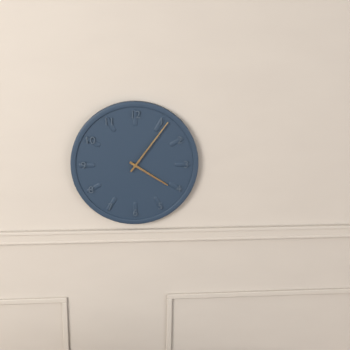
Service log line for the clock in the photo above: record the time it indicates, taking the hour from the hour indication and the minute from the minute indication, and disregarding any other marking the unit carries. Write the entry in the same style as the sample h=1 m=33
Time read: h=4 m=6
